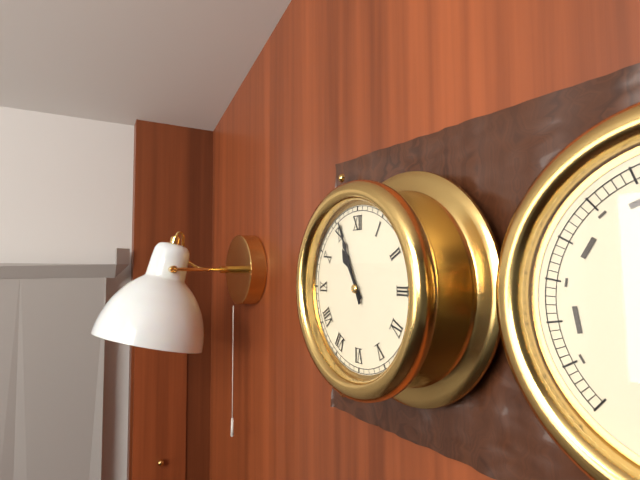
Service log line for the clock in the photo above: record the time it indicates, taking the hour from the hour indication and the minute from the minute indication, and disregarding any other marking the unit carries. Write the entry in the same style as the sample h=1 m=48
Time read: h=10 m=56
